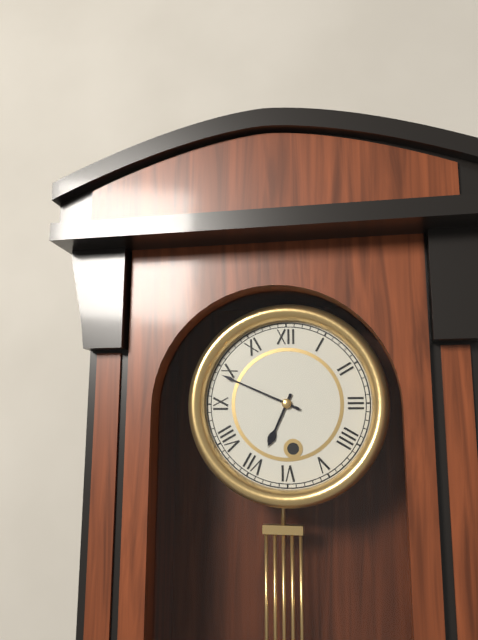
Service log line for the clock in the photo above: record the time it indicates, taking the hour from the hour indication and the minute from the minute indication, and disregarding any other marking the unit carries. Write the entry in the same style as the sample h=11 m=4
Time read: h=6 m=49
